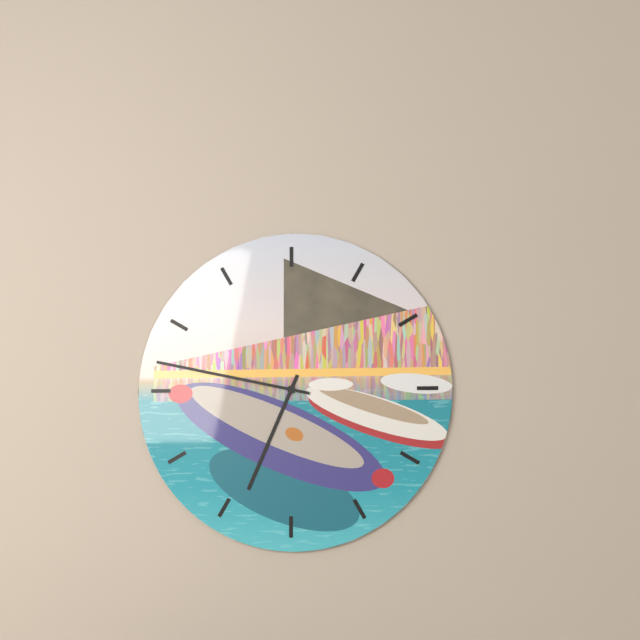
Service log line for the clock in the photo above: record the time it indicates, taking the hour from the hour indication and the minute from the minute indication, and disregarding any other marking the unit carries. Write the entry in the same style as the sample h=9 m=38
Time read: h=6 m=47
